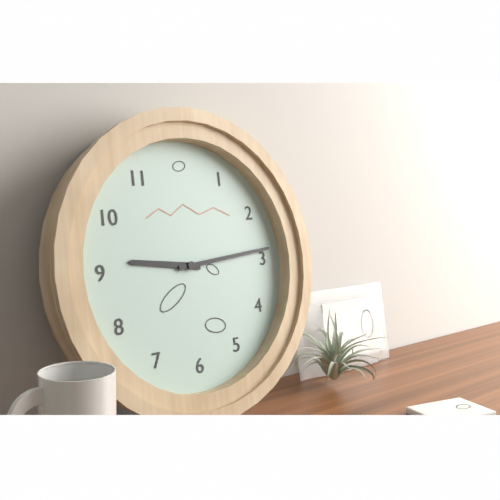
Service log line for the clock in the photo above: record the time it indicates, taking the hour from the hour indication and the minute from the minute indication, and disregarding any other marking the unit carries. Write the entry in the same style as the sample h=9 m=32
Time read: h=9 m=14
